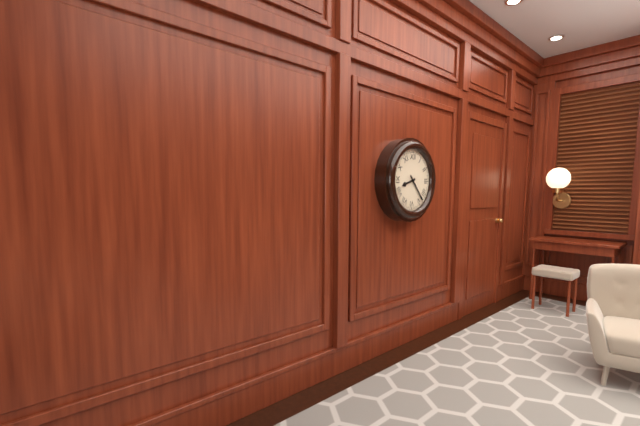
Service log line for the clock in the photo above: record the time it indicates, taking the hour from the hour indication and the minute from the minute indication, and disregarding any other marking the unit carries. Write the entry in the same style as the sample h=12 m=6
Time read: h=8 m=23
